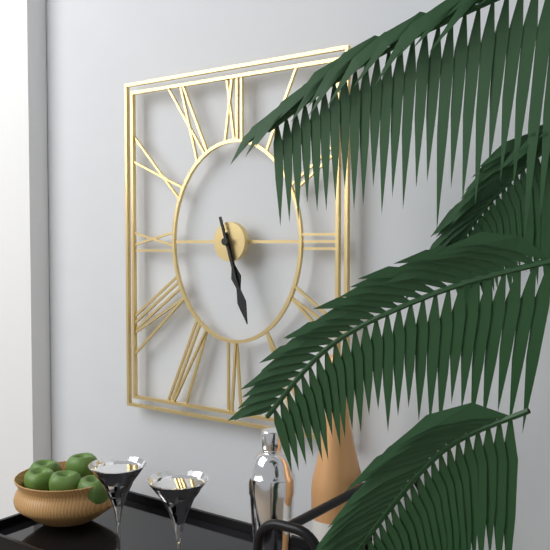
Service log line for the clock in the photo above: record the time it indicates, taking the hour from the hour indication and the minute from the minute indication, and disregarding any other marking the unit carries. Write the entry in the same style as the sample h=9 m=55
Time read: h=5 m=27
